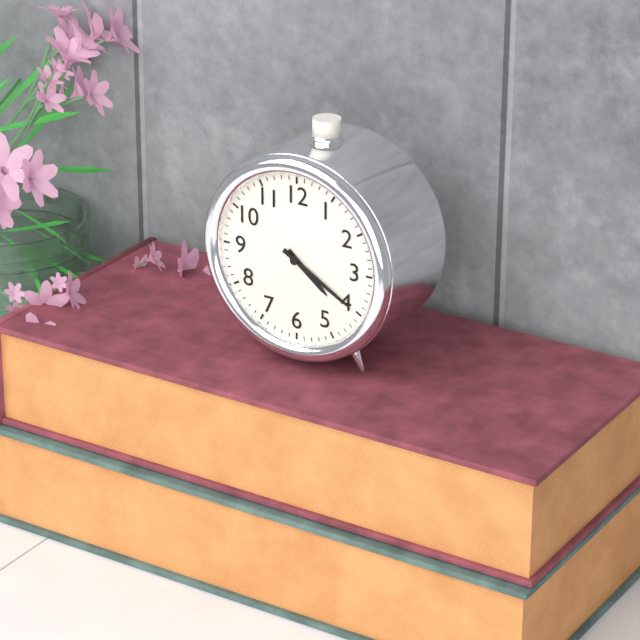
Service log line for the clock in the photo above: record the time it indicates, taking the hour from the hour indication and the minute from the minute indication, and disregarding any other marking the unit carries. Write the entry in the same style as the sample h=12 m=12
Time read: h=4 m=20
